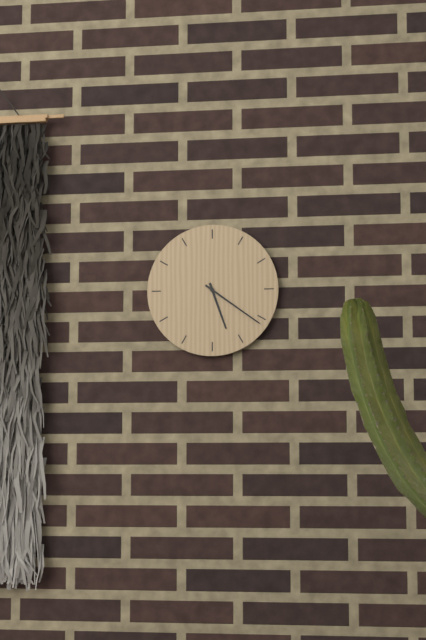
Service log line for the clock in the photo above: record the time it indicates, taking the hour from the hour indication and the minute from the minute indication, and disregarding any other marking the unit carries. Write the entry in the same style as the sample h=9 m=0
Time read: h=5 m=21
